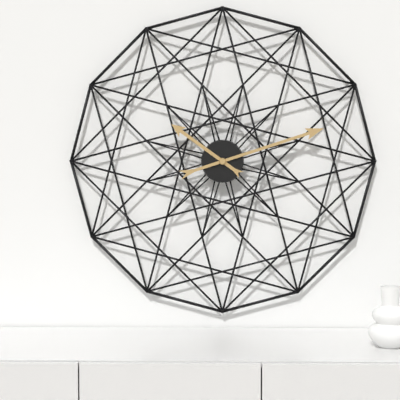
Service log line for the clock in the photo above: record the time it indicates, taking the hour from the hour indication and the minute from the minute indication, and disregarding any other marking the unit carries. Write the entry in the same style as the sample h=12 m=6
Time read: h=10 m=12
